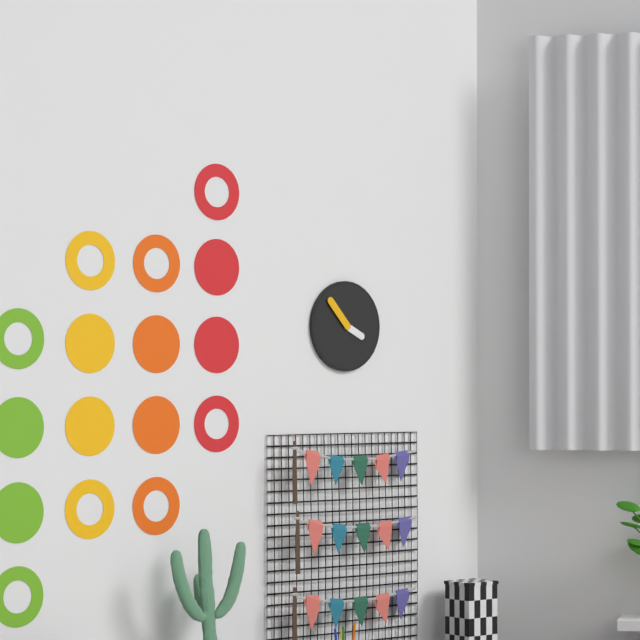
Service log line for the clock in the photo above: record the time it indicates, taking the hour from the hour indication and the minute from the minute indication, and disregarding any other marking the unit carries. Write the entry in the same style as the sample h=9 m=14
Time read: h=3 m=53
